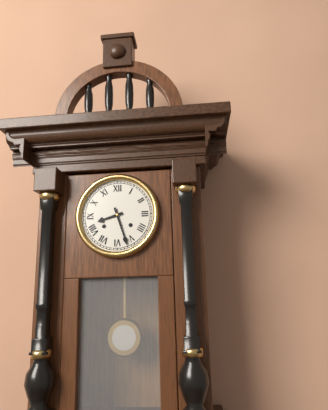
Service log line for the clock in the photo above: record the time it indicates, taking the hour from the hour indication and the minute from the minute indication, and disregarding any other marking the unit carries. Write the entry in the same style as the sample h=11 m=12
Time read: h=8 m=27
